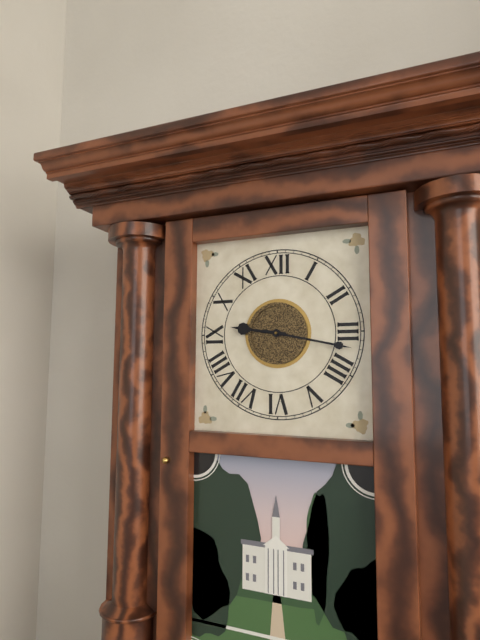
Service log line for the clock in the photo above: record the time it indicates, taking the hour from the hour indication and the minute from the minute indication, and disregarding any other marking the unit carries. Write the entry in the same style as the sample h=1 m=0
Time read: h=9 m=17
